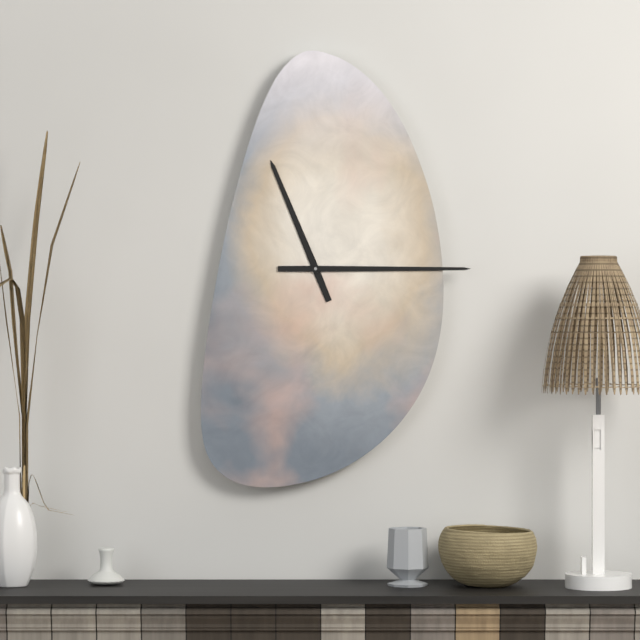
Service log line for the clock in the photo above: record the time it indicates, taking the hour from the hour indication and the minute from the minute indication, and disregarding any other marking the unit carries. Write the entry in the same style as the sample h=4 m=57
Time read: h=11 m=15
